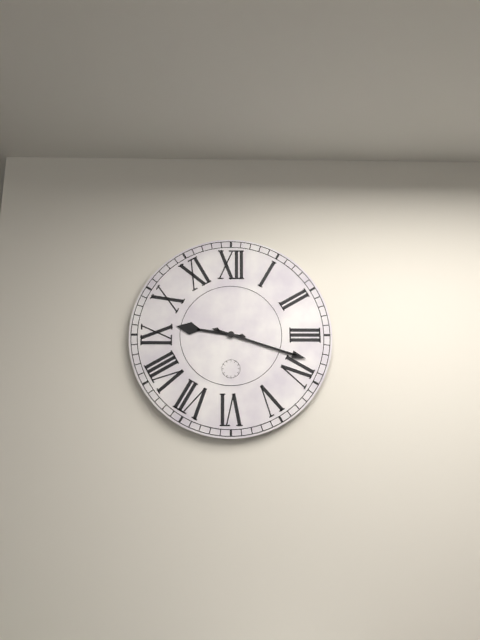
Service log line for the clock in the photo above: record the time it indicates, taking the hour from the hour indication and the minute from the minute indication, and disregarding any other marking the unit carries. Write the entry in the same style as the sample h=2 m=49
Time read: h=9 m=18
